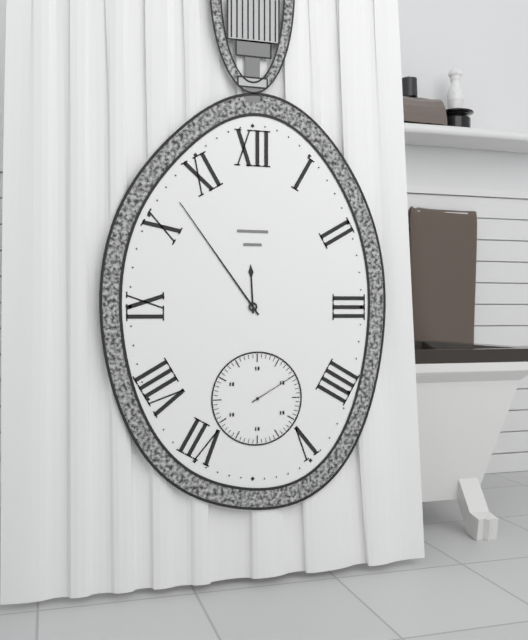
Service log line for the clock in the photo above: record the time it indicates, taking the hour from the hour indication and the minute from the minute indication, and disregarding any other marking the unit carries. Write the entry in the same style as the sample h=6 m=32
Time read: h=11 m=54
